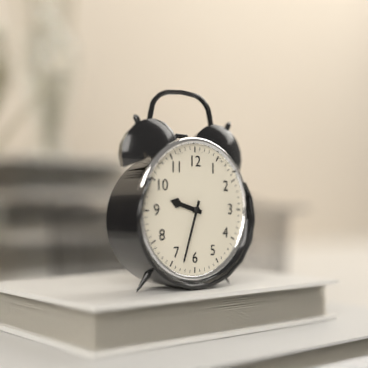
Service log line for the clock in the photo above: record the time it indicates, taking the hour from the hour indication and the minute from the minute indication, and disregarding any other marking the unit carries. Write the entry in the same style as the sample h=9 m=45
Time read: h=9 m=33
